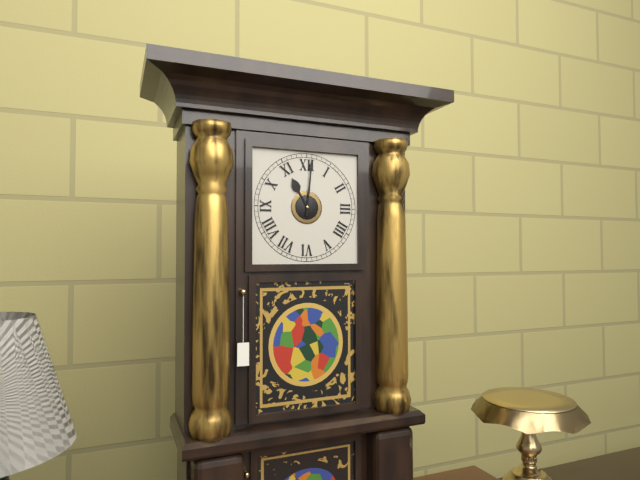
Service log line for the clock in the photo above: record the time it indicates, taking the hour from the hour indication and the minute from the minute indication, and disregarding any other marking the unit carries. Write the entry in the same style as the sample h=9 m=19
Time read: h=11 m=1
